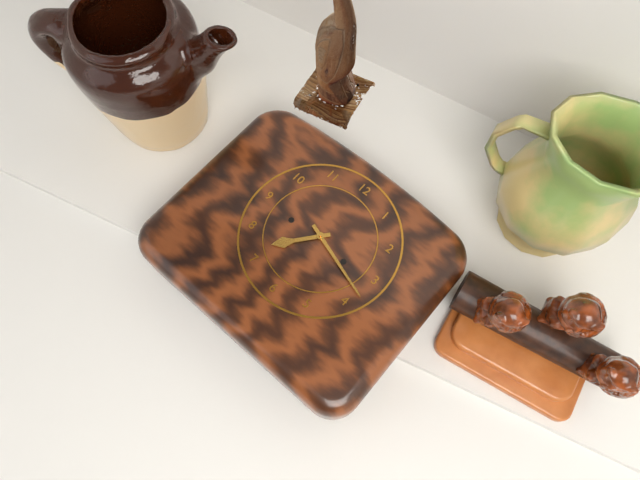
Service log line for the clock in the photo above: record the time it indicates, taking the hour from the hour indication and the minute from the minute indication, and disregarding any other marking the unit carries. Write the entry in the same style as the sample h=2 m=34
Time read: h=7 m=18
